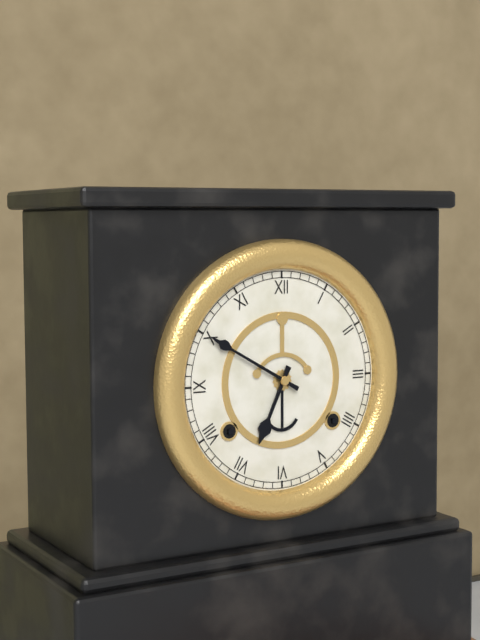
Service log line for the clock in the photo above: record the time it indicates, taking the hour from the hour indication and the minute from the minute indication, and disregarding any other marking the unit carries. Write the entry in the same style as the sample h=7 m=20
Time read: h=6 m=50
